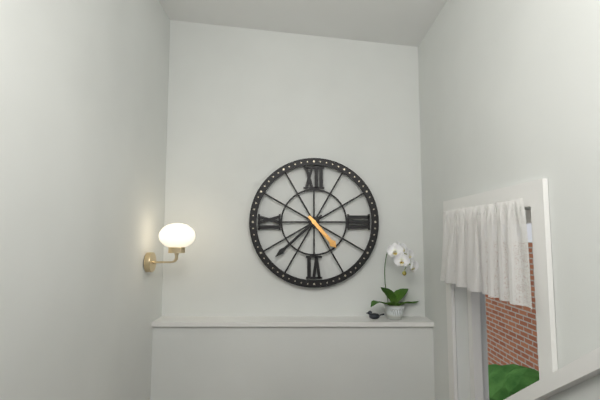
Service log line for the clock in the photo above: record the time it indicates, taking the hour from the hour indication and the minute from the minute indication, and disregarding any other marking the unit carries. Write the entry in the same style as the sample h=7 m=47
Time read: h=4 m=38
